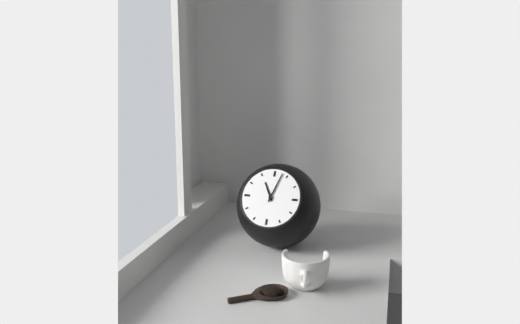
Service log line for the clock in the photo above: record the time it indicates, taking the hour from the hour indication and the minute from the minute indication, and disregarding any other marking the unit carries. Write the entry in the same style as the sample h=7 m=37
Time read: h=11 m=3
